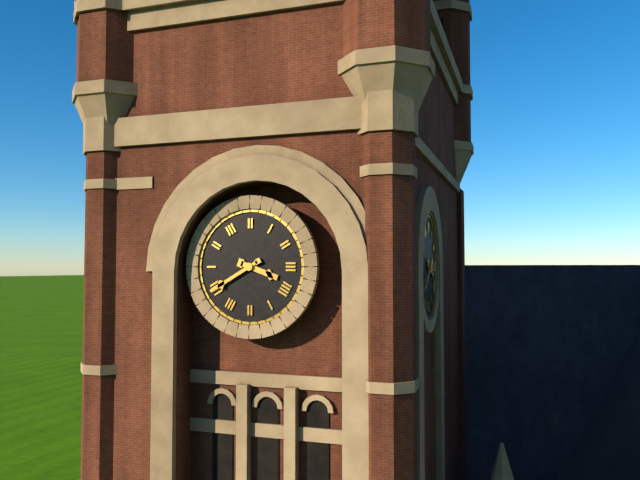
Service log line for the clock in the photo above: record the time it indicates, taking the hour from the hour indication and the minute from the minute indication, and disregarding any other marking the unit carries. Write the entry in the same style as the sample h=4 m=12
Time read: h=3 m=40
